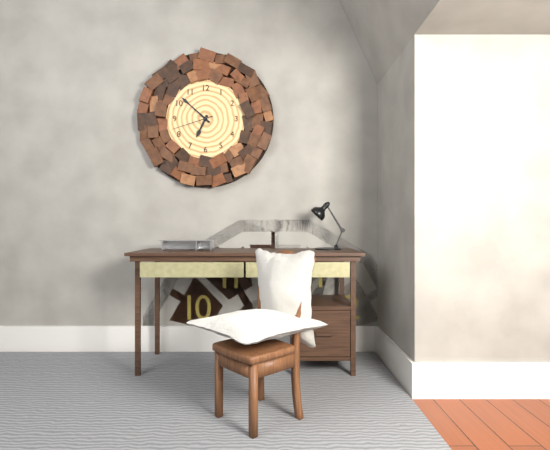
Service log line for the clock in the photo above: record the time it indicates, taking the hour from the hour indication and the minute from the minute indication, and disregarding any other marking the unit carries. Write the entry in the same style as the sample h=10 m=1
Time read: h=6 m=52
